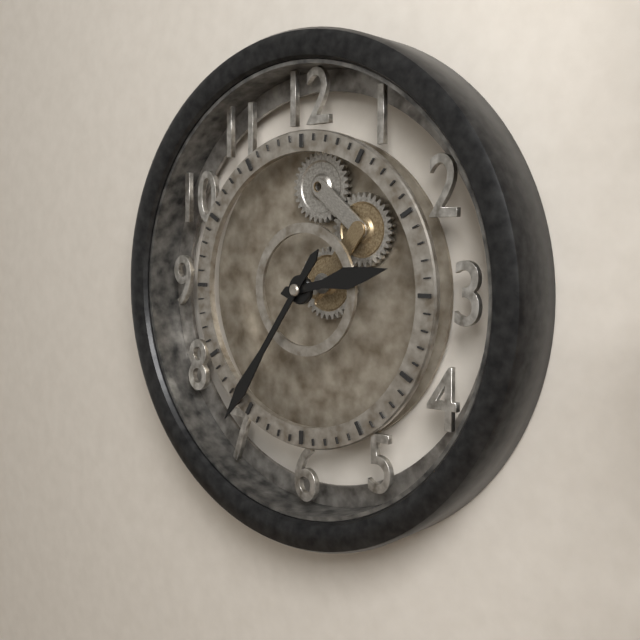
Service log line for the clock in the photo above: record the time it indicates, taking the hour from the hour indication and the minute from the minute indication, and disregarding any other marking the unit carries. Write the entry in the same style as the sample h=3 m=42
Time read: h=2 m=36
